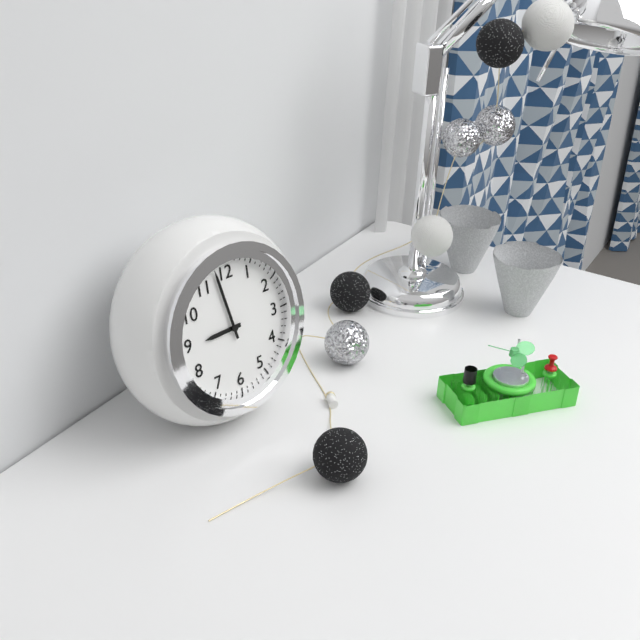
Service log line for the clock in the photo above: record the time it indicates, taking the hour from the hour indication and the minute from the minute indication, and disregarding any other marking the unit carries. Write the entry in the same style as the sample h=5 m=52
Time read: h=8 m=58
